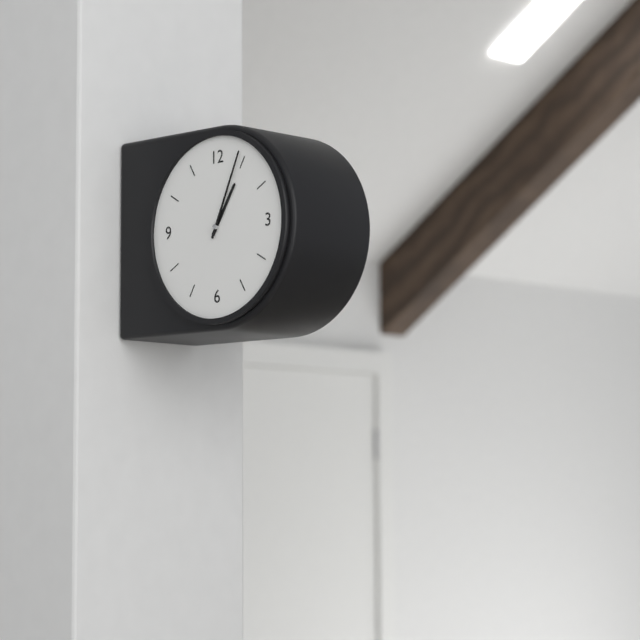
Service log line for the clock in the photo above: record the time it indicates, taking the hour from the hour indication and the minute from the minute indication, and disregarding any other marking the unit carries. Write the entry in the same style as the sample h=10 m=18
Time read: h=1 m=4
